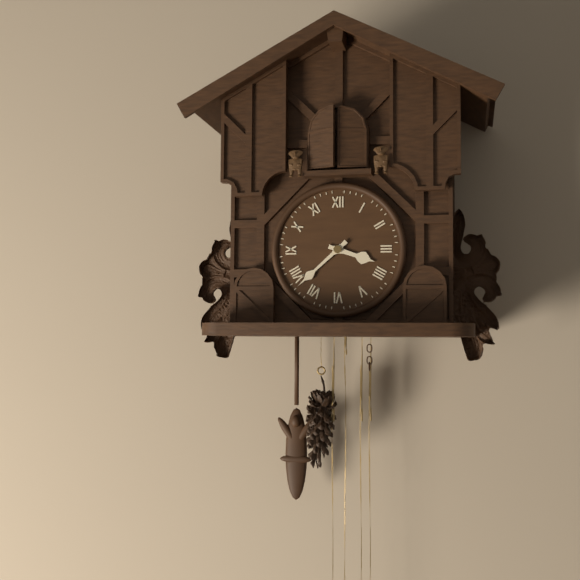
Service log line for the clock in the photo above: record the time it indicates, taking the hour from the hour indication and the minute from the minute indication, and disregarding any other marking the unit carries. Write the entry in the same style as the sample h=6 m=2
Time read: h=3 m=38
